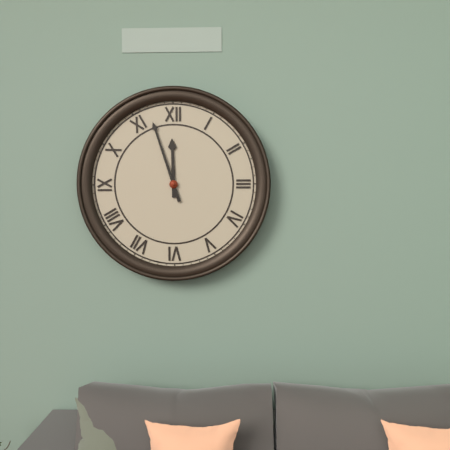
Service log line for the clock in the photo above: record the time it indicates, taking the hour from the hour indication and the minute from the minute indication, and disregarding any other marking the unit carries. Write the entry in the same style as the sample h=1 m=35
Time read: h=11 m=57
